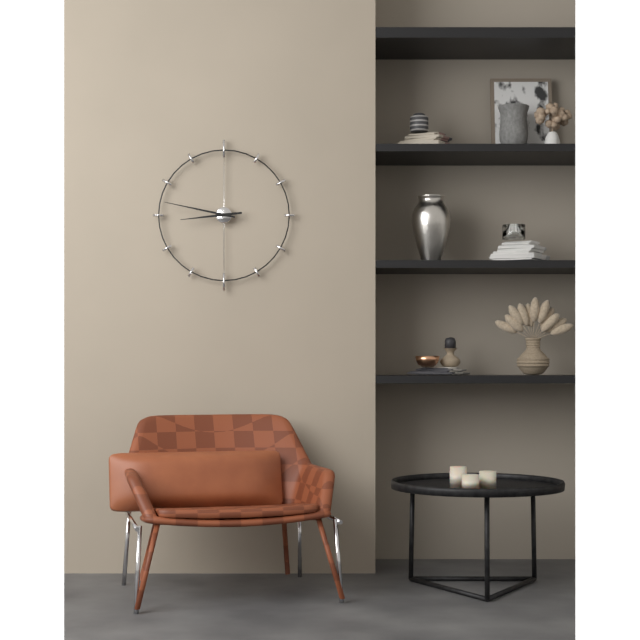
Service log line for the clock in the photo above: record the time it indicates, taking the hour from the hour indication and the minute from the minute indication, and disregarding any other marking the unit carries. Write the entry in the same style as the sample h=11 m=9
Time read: h=8 m=47
